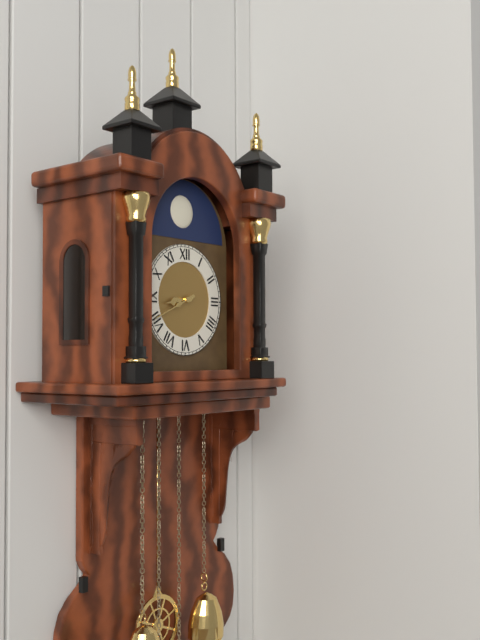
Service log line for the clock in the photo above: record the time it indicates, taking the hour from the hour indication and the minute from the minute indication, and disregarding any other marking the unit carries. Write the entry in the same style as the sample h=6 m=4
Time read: h=8 m=41
